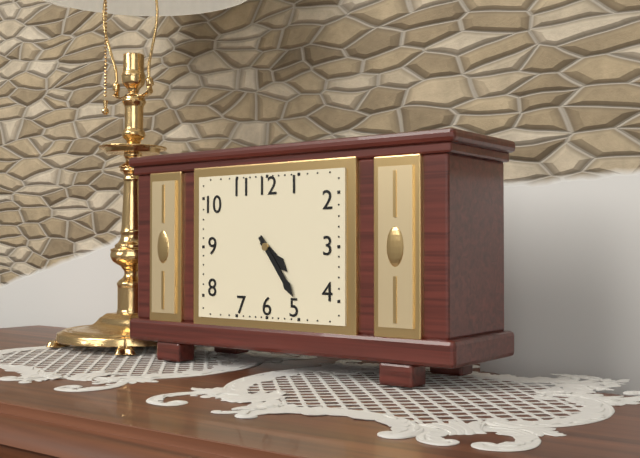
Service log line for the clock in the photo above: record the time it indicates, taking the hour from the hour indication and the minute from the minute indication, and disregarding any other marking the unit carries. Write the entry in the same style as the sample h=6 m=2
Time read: h=4 m=24
